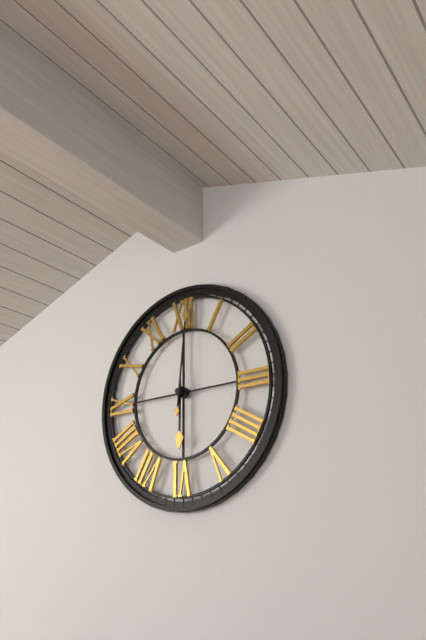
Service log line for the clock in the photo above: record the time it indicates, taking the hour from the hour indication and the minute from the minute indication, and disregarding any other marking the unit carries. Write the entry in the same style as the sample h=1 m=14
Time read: h=6 m=1
